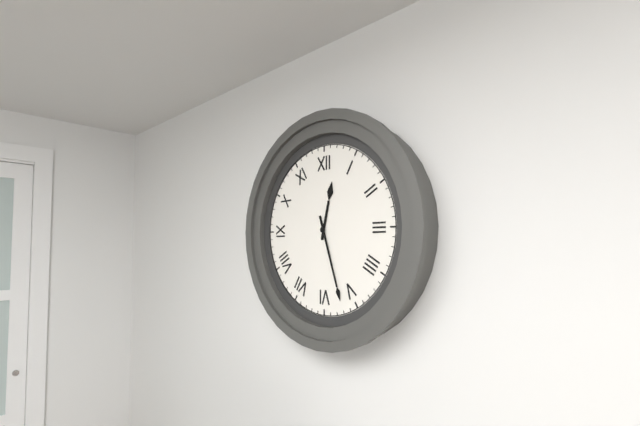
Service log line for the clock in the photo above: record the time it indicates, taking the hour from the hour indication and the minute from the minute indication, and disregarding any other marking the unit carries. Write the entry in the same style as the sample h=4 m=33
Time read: h=12 m=27
